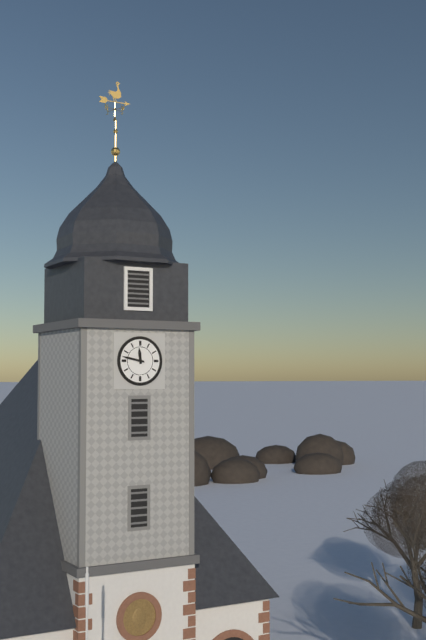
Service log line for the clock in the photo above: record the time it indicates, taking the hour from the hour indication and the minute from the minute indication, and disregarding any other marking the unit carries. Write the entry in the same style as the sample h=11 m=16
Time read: h=11 m=47
